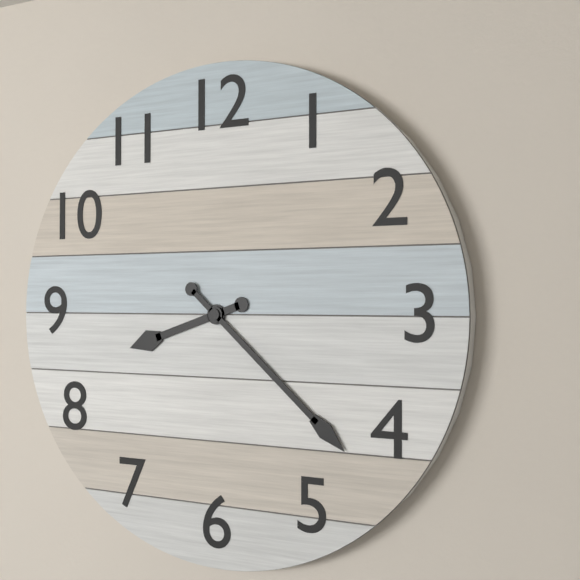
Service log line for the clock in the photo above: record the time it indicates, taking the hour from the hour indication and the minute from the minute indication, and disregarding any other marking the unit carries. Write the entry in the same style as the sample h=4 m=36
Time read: h=8 m=22
